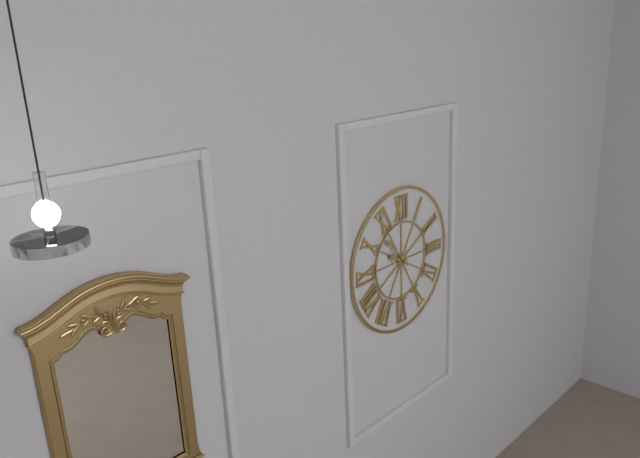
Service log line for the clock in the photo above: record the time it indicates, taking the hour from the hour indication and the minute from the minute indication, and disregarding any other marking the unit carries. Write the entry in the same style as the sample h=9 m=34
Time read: h=9 m=53
